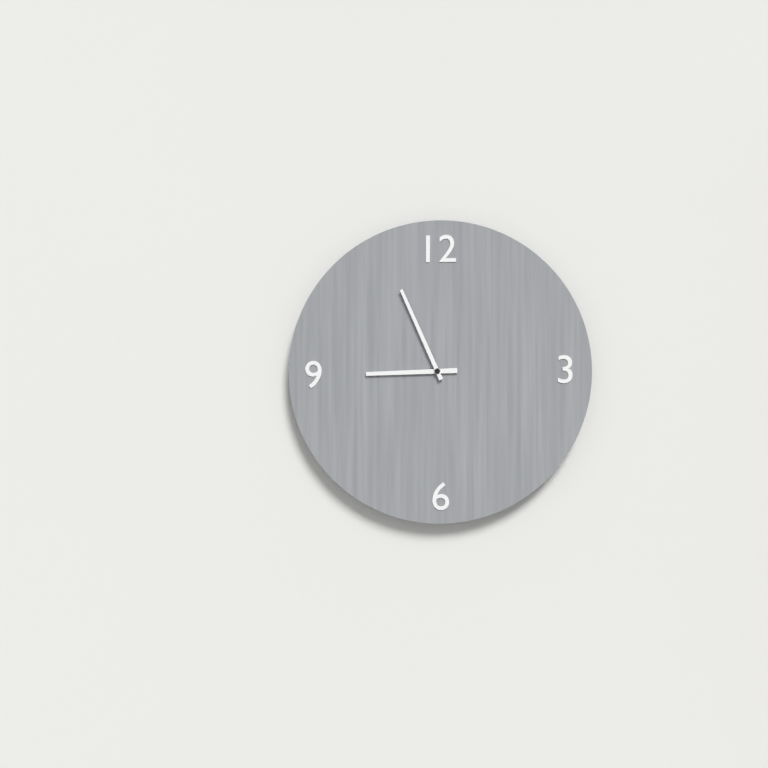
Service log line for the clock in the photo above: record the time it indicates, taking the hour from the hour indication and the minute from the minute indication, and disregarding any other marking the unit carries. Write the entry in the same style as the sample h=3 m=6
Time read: h=8 m=56
